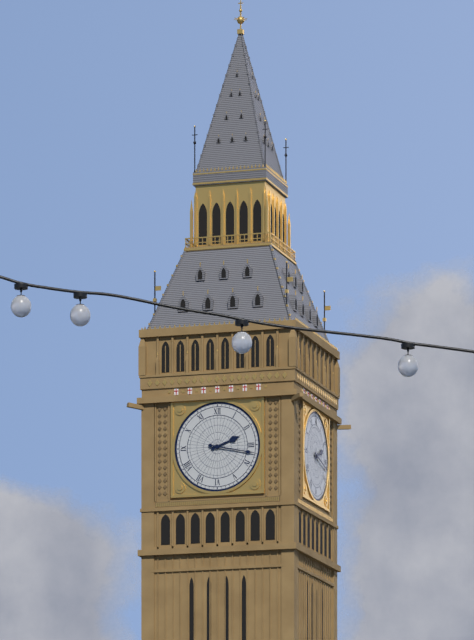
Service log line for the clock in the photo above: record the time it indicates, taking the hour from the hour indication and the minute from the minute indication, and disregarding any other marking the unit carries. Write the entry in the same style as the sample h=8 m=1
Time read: h=2 m=17
